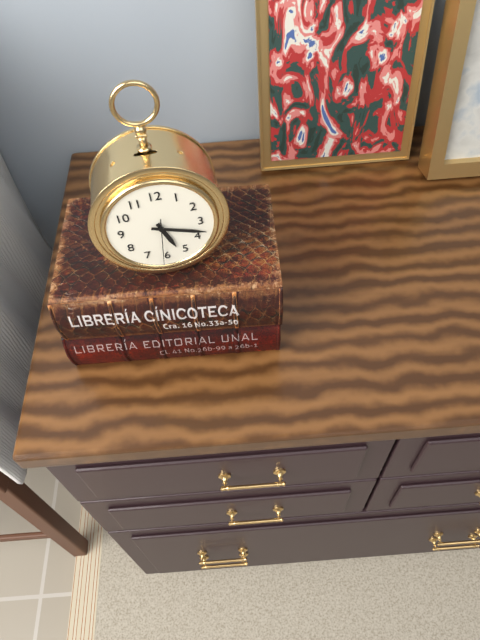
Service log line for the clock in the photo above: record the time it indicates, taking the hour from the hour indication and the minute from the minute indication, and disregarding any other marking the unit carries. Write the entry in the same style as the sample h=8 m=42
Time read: h=5 m=18
